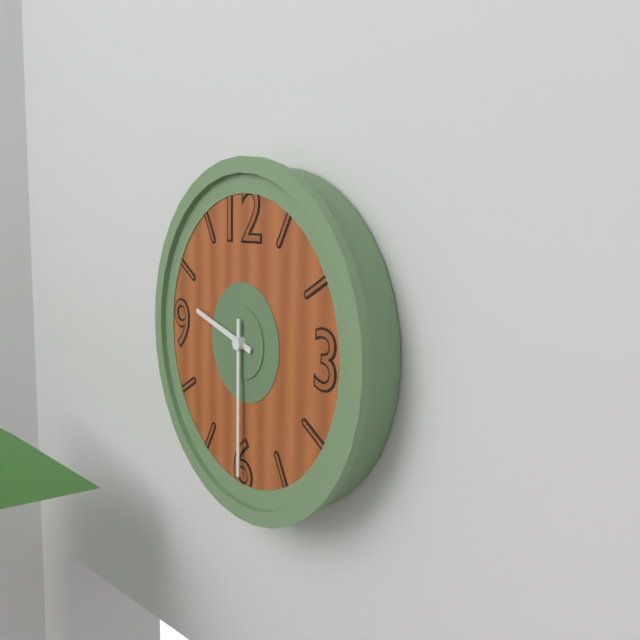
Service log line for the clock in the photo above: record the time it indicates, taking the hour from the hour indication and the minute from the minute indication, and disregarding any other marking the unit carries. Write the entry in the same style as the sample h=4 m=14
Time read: h=9 m=30
